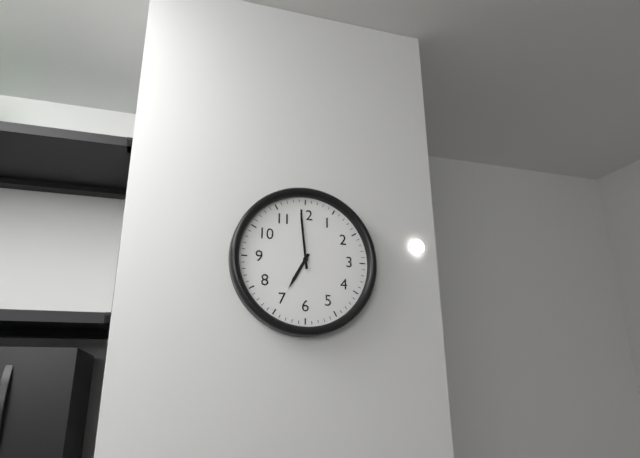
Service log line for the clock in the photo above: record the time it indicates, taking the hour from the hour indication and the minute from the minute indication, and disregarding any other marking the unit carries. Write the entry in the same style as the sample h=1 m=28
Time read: h=6 m=59
